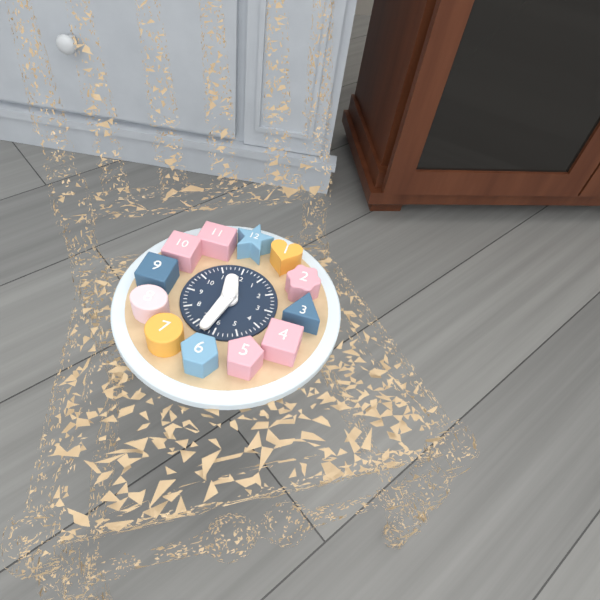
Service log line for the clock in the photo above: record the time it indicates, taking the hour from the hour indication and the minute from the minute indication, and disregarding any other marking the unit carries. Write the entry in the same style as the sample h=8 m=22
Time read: h=11 m=32
